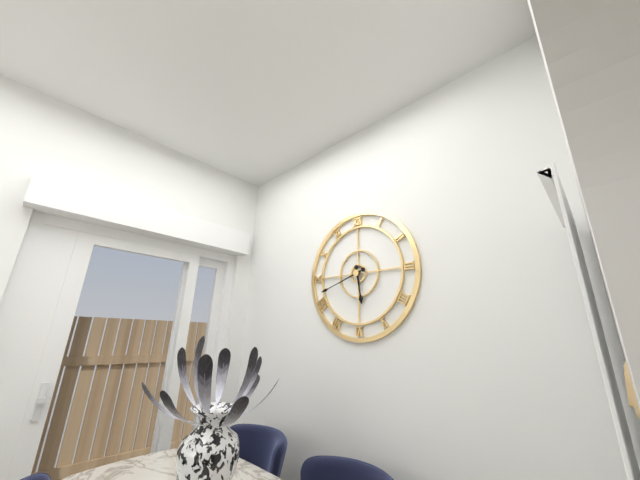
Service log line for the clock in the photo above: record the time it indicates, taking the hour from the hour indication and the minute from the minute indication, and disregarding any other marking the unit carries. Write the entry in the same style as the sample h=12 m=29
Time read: h=5 m=42
